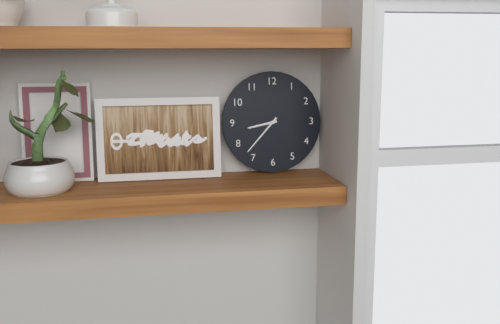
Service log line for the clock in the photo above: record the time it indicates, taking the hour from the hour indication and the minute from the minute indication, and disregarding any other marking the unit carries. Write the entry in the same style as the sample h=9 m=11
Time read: h=8 m=37
